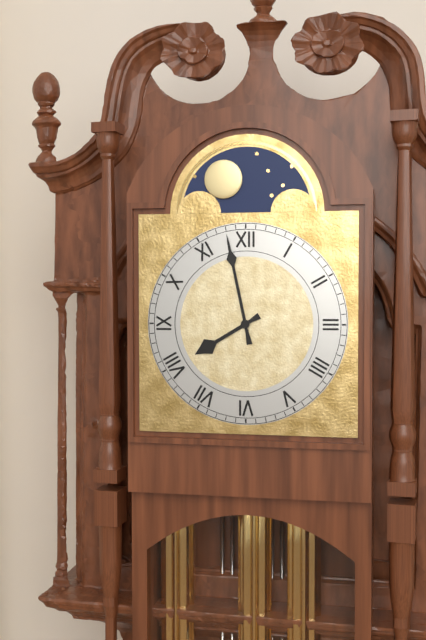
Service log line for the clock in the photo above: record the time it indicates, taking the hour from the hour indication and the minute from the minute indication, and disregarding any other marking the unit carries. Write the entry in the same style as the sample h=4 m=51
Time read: h=7 m=58
